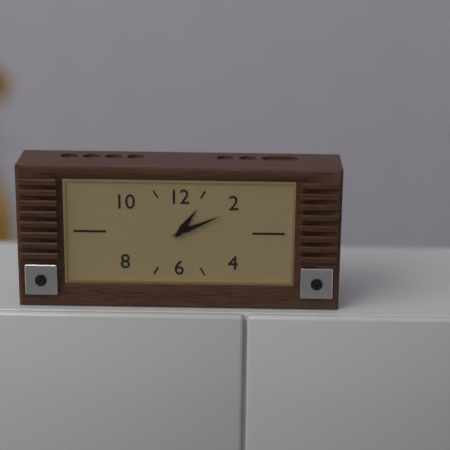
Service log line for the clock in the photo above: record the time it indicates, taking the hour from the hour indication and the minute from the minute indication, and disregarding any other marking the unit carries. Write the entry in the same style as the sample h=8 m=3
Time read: h=1 m=11
